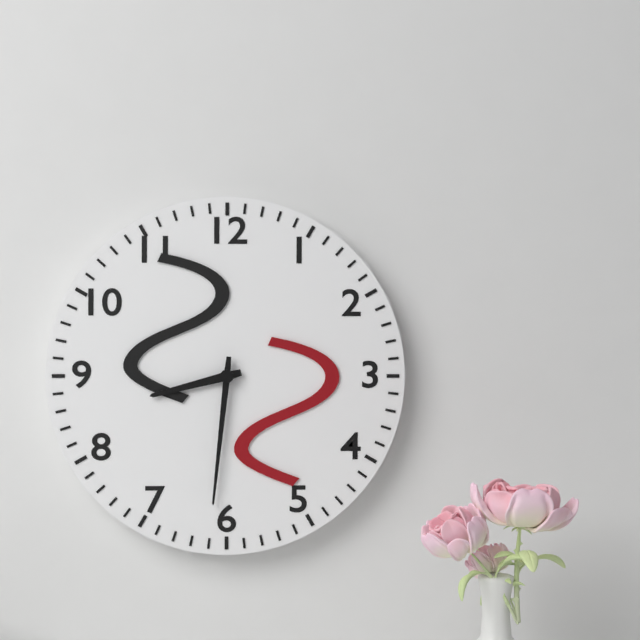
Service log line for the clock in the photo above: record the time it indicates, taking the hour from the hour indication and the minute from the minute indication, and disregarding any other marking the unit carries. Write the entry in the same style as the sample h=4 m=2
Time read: h=8 m=31
